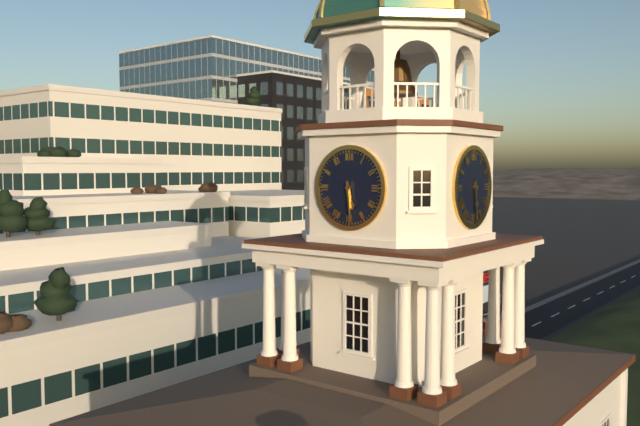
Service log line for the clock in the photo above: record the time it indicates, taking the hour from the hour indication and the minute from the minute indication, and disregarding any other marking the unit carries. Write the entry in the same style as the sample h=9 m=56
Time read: h=5 m=29
